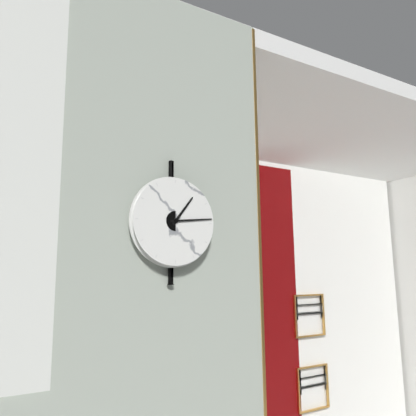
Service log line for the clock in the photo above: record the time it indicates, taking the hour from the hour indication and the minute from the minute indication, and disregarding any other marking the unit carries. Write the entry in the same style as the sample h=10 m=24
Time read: h=1 m=14
